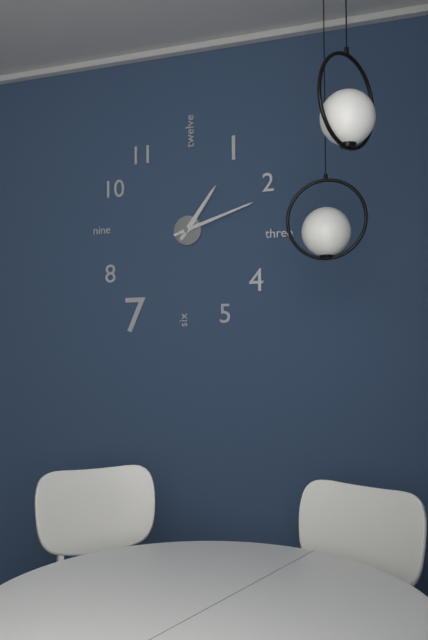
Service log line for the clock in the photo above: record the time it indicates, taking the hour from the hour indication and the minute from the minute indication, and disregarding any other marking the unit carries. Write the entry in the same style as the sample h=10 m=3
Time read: h=1 m=12
